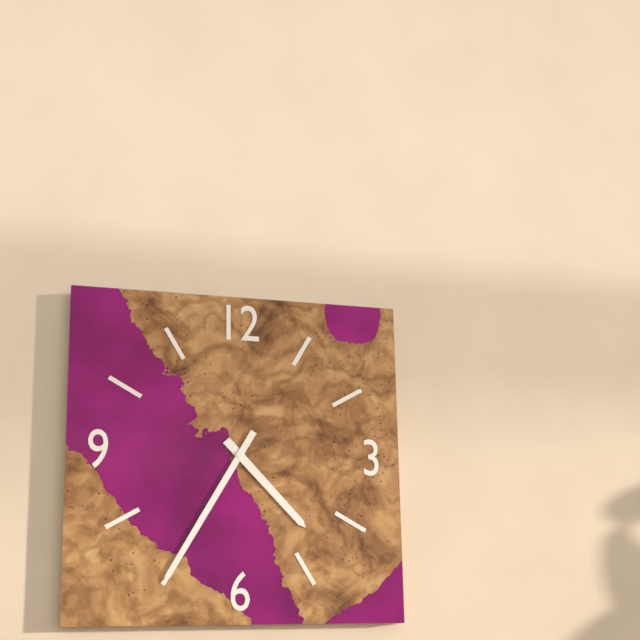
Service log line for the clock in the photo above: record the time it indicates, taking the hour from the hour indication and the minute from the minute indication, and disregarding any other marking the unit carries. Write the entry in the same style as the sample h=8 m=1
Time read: h=4 m=35
